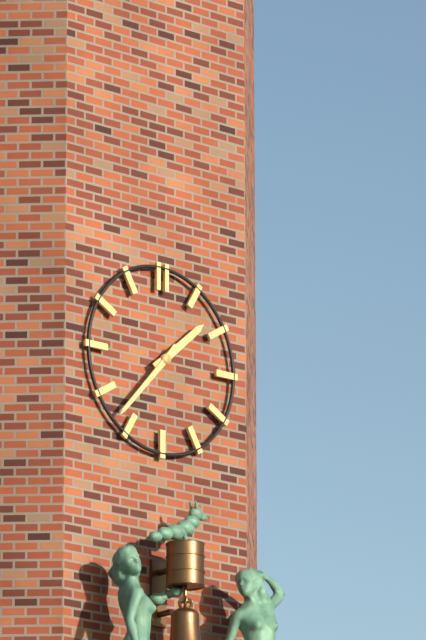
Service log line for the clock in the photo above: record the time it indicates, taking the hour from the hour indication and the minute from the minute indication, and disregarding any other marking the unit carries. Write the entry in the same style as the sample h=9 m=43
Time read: h=1 m=37
